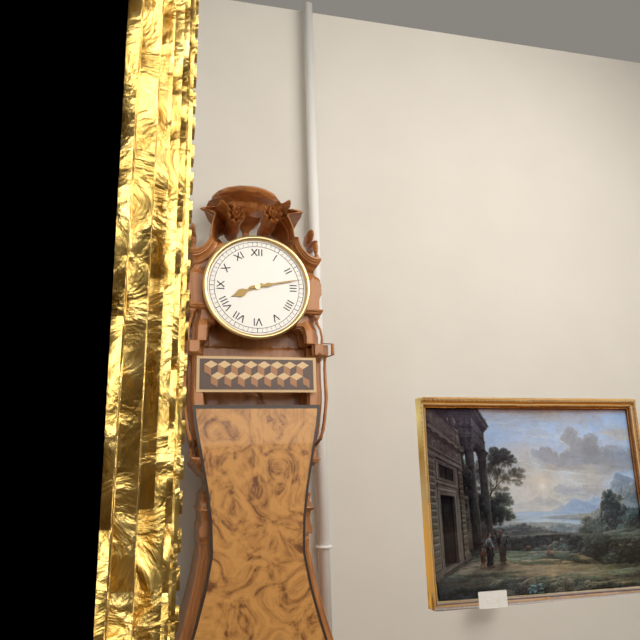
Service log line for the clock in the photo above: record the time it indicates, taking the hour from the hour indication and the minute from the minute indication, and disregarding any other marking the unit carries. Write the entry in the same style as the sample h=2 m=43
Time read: h=8 m=13
